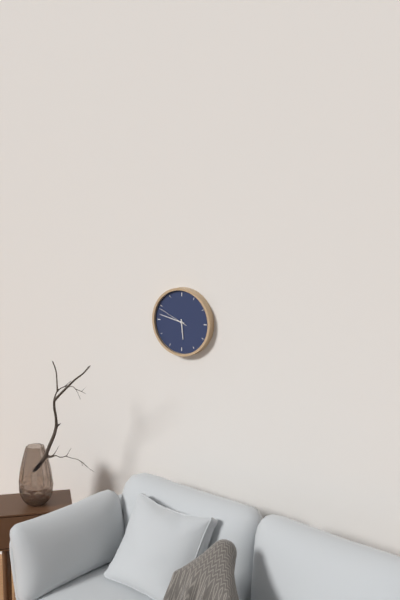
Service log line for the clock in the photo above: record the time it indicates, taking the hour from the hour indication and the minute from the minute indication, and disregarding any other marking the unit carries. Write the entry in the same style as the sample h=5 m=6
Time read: h=5 m=47
